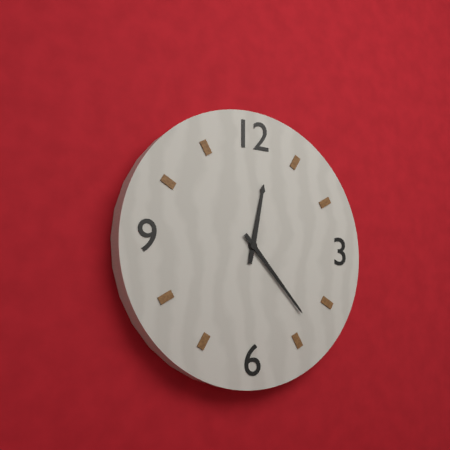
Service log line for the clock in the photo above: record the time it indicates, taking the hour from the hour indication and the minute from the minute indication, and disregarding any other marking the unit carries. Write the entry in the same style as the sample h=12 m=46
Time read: h=12 m=23
